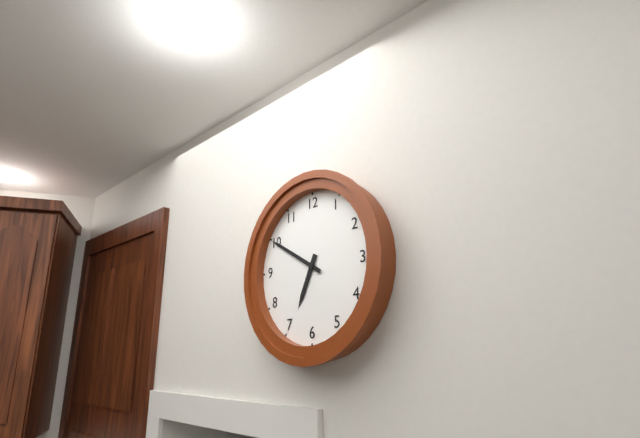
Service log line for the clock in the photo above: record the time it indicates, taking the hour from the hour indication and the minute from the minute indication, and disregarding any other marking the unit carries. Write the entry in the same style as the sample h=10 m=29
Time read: h=6 m=50
